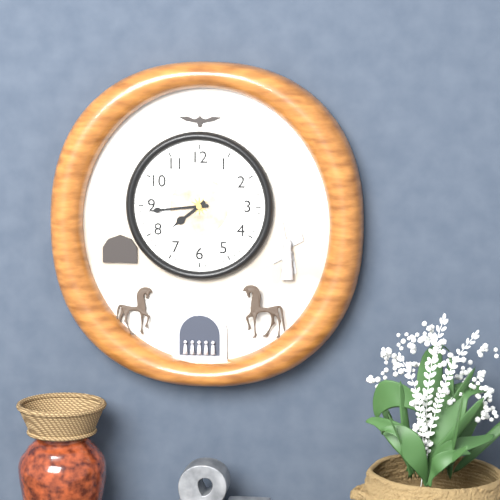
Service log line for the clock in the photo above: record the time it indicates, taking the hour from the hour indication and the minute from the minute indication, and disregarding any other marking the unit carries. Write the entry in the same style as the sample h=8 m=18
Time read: h=7 m=44
